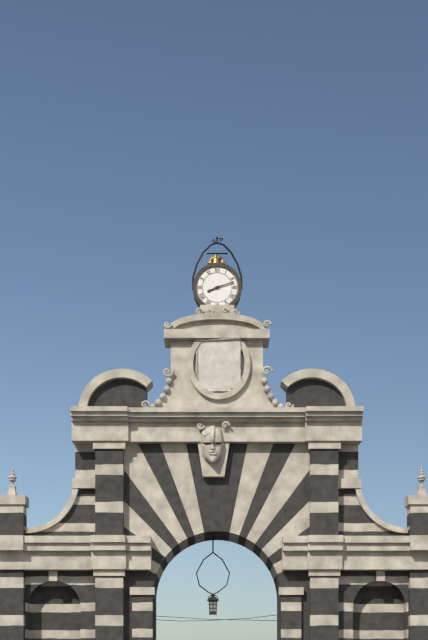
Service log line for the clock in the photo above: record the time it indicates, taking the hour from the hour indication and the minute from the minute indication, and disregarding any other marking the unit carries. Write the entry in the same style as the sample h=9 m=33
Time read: h=8 m=12
